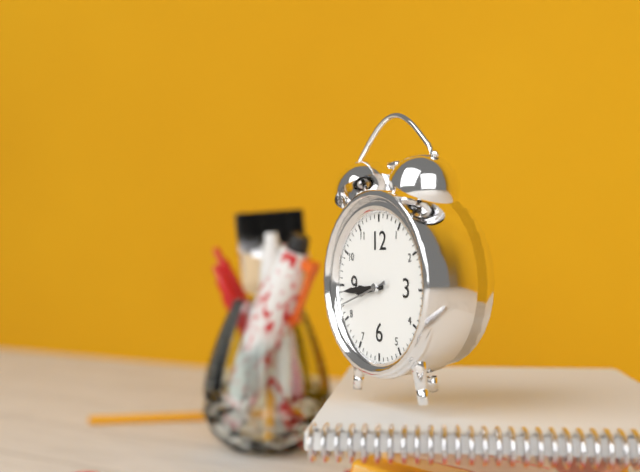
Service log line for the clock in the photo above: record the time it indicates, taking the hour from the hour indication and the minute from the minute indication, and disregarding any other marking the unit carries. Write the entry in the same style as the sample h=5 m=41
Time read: h=8 m=44
